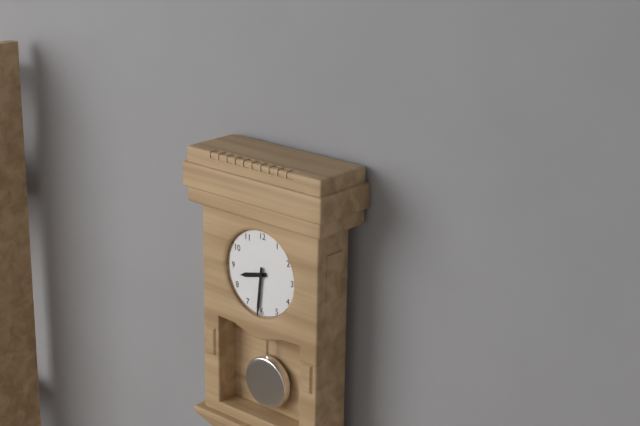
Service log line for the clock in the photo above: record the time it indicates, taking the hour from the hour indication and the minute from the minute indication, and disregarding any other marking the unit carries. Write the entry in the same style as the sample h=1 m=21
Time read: h=8 m=31
